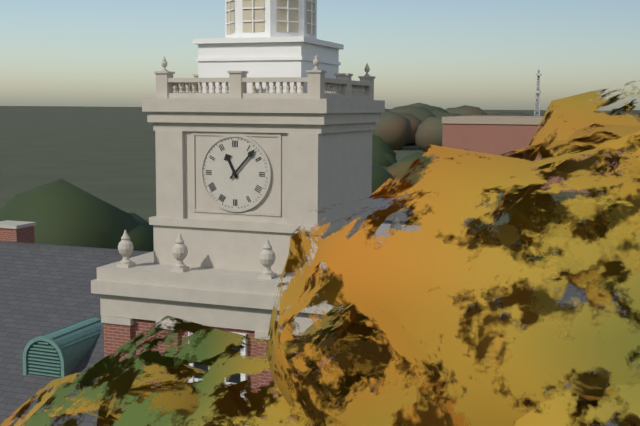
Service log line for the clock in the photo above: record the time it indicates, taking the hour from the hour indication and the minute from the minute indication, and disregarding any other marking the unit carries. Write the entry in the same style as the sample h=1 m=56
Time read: h=11 m=7
